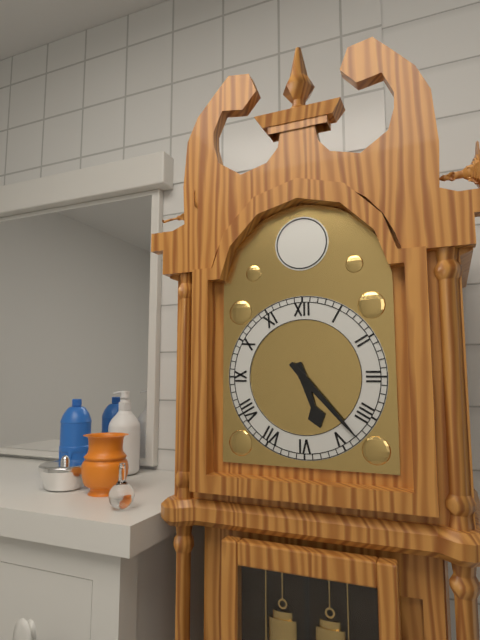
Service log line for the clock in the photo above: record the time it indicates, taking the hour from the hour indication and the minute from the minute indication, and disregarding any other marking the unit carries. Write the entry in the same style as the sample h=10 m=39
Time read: h=5 m=23
